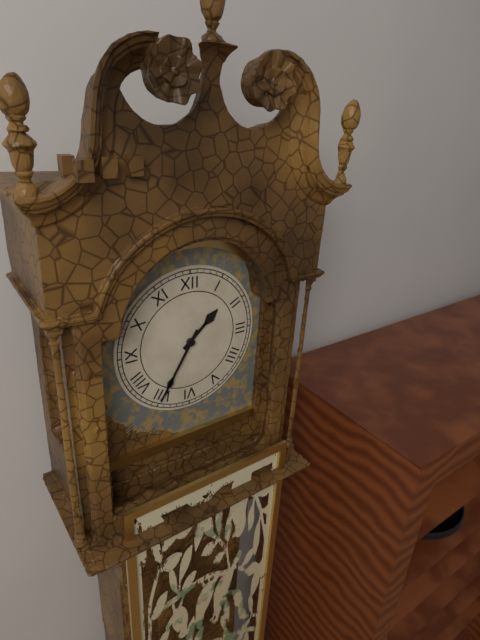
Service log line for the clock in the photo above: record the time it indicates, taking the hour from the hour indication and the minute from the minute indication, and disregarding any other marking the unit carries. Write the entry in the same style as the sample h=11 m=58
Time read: h=1 m=35
